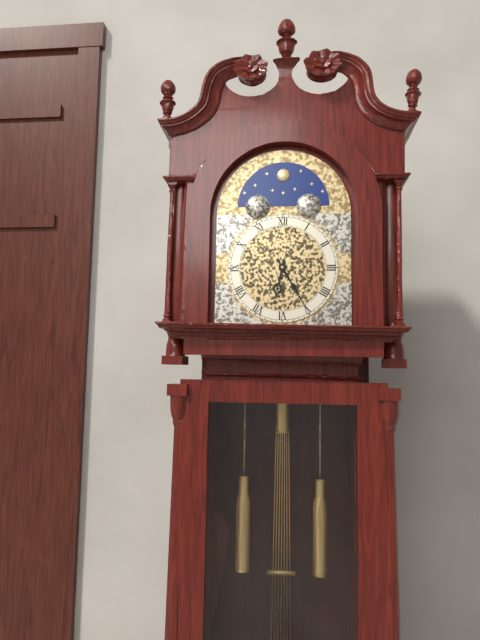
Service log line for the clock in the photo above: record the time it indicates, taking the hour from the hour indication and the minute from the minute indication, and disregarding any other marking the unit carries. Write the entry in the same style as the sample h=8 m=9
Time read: h=6 m=25
